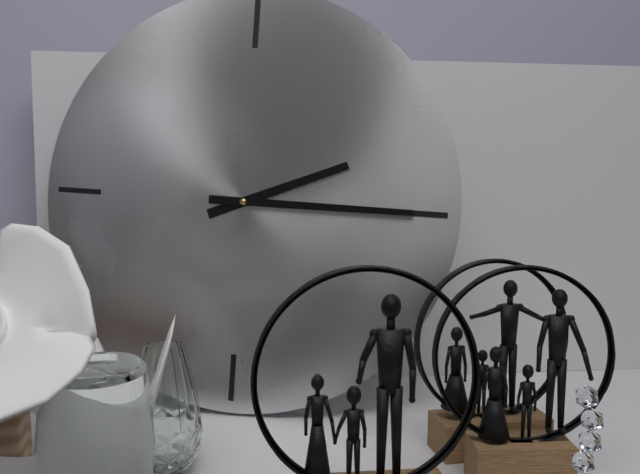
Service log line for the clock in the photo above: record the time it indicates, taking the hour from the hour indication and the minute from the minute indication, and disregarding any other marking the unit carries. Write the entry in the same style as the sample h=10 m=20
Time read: h=2 m=15
